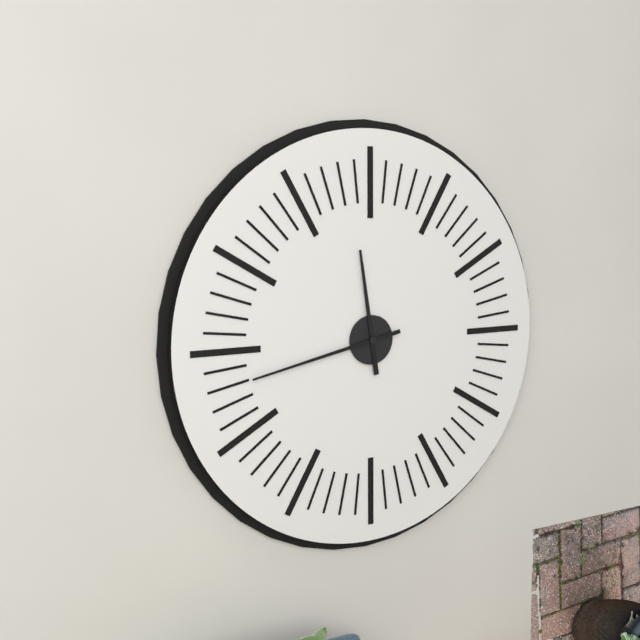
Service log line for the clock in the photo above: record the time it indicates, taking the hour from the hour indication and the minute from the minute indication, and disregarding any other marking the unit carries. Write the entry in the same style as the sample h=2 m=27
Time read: h=11 m=43
